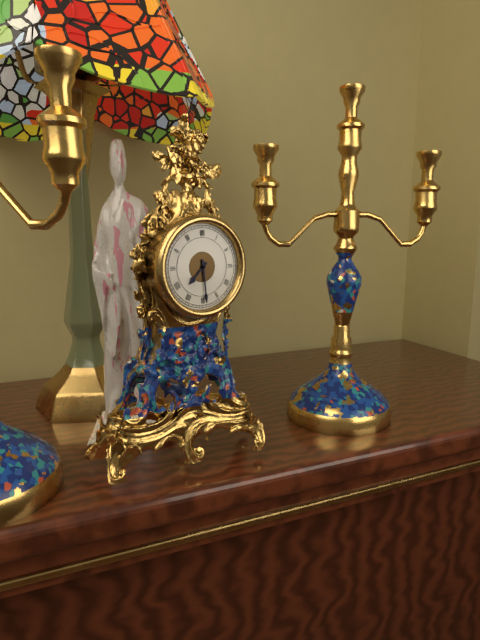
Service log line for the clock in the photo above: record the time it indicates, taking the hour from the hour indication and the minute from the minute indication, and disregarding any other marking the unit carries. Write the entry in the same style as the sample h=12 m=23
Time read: h=7 m=29
